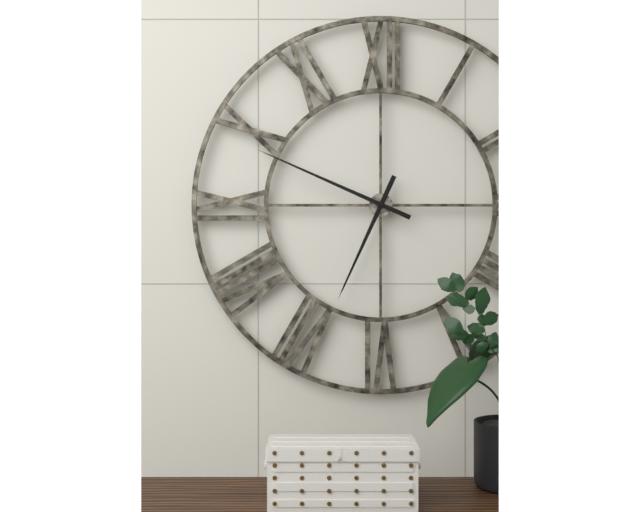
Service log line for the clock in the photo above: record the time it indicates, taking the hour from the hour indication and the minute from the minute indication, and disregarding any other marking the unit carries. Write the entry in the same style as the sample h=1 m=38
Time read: h=6 m=49
